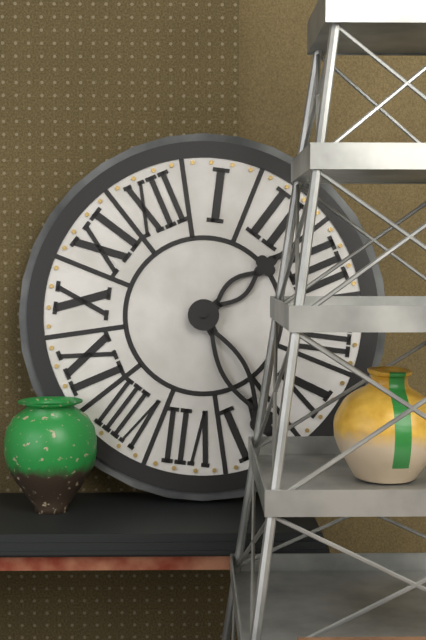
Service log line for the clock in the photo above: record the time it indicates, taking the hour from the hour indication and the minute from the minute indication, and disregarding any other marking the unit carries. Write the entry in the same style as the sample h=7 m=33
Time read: h=2 m=29
